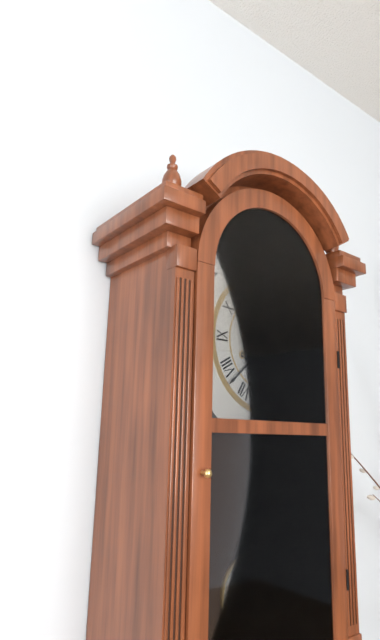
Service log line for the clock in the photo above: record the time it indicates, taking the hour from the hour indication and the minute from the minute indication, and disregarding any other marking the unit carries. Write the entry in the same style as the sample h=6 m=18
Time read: h=4 m=38
